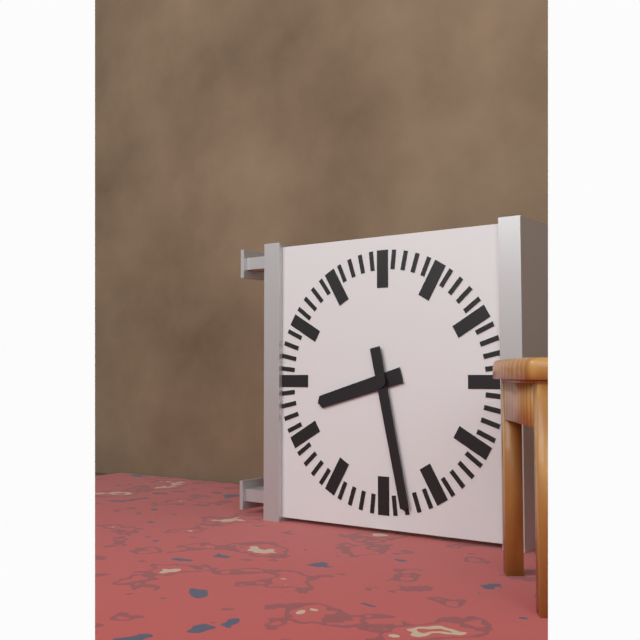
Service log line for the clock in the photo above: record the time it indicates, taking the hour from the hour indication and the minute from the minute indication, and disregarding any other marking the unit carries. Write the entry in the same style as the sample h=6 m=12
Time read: h=8 m=28
